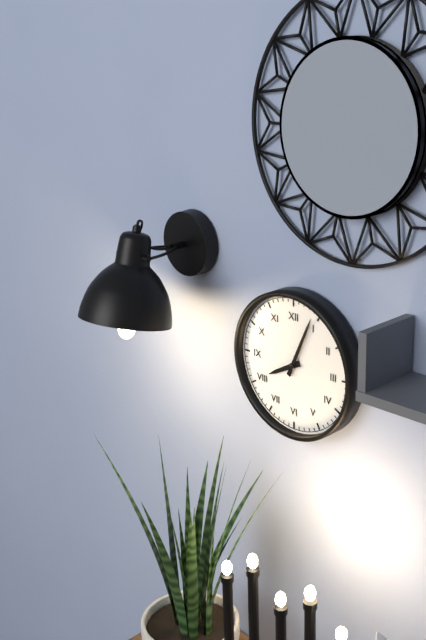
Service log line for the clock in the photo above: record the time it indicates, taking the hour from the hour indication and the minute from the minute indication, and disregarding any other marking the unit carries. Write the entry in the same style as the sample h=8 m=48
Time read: h=8 m=4
